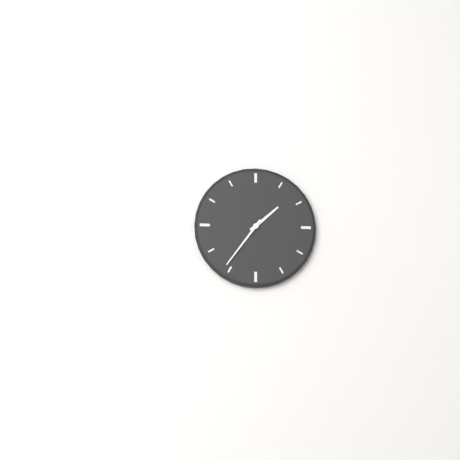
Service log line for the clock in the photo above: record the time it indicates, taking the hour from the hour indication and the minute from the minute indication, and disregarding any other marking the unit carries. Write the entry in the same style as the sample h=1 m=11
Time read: h=1 m=36
